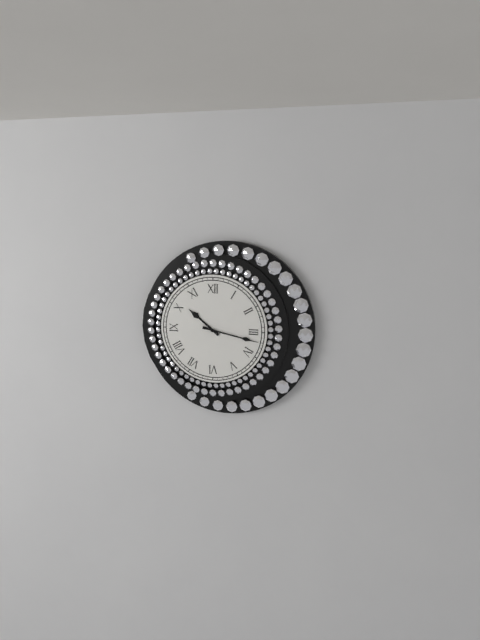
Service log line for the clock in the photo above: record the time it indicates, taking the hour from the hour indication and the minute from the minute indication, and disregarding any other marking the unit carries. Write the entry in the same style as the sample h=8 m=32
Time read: h=10 m=17
